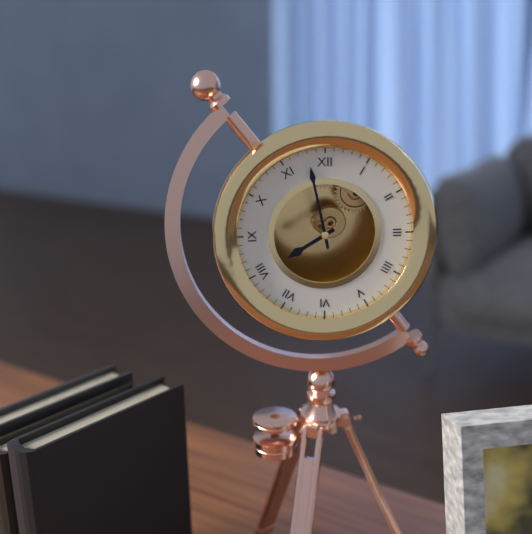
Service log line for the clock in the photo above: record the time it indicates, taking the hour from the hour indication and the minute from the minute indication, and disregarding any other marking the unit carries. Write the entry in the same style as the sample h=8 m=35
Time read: h=7 m=58
